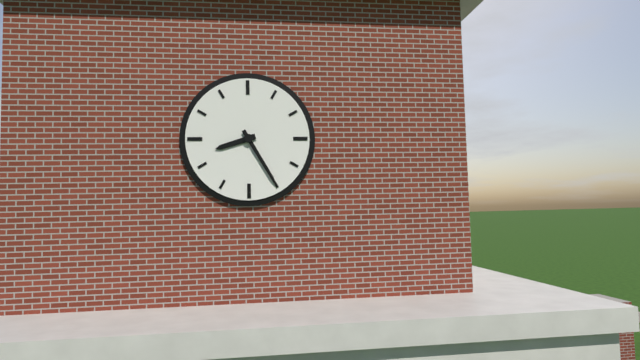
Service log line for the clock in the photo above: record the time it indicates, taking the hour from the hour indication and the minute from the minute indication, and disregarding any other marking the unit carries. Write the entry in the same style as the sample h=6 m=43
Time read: h=8 m=25
